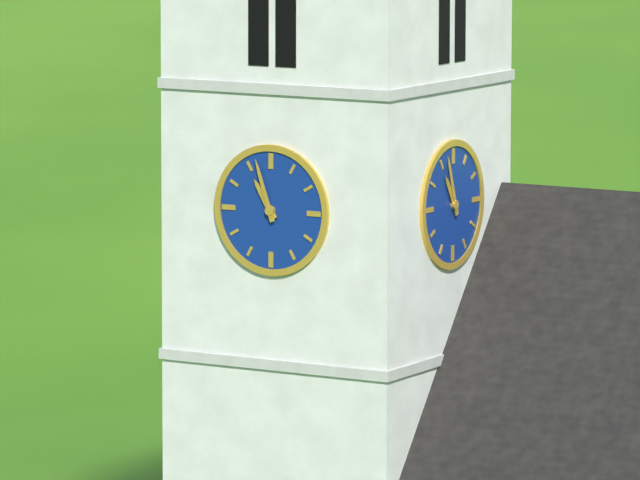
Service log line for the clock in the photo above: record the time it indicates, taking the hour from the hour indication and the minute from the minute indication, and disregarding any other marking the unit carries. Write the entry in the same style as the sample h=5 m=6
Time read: h=10 m=57
